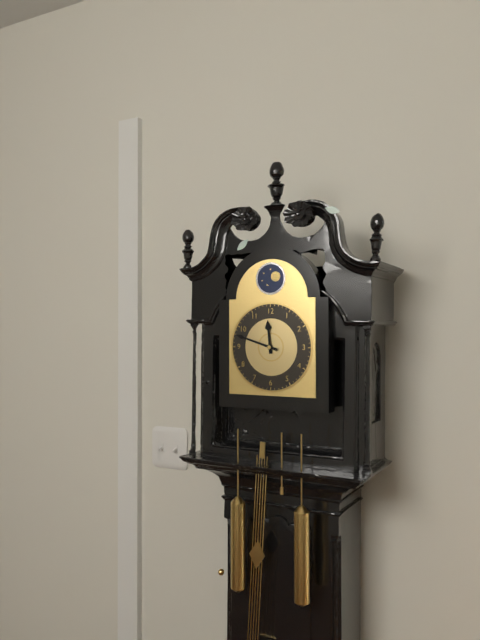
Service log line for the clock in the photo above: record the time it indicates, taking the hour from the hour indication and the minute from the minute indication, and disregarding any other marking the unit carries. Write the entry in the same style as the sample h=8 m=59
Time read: h=11 m=48
